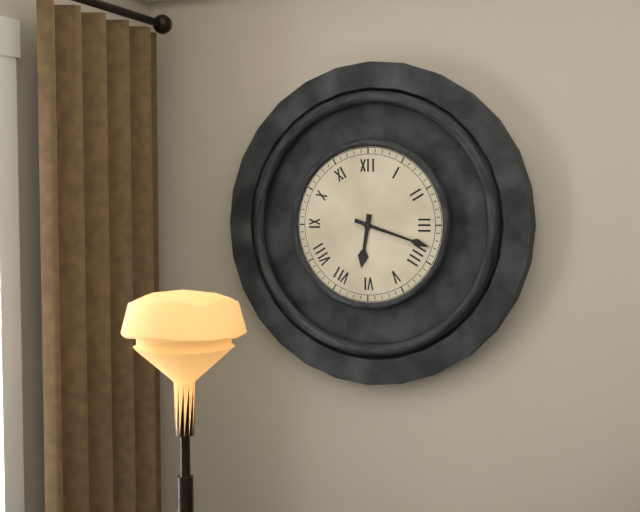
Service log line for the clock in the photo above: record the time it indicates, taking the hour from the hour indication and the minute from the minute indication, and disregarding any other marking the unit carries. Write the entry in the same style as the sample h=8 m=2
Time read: h=6 m=18
